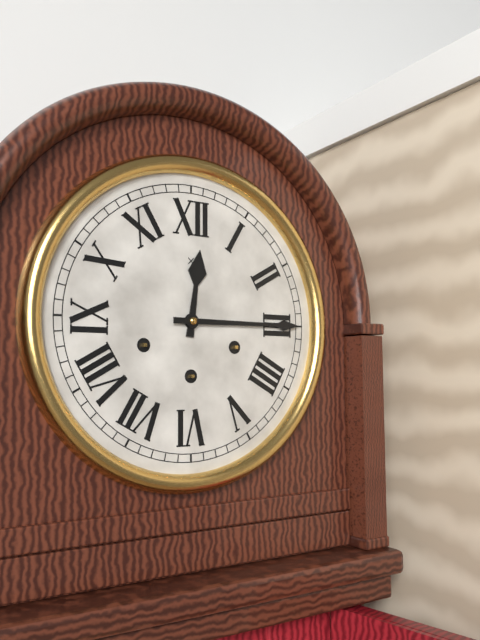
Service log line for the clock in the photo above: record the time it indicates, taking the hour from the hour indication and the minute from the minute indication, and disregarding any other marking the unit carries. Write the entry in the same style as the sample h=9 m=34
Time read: h=12 m=15
